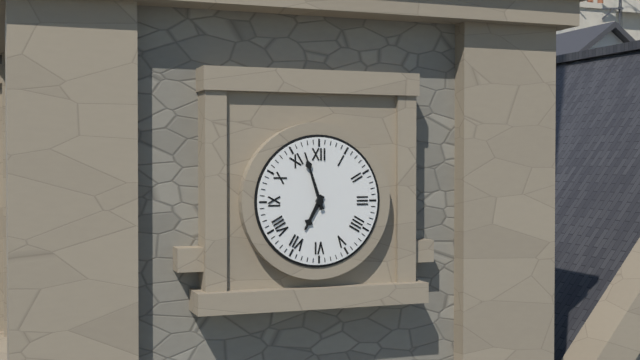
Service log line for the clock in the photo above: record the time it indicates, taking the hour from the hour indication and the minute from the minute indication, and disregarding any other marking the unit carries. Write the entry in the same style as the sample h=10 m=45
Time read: h=6 m=57
